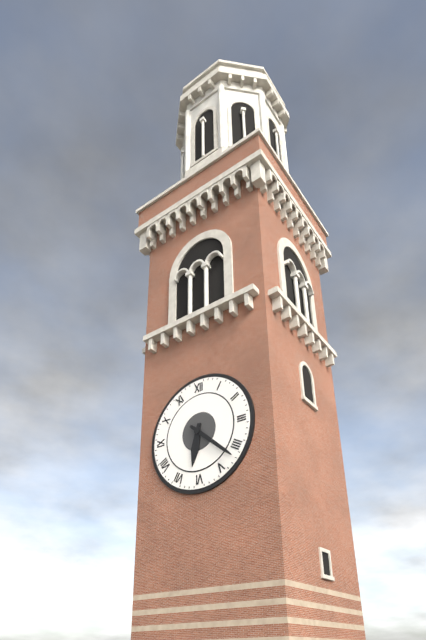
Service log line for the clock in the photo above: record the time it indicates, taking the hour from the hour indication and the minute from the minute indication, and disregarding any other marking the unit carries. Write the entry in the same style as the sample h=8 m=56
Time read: h=6 m=22
